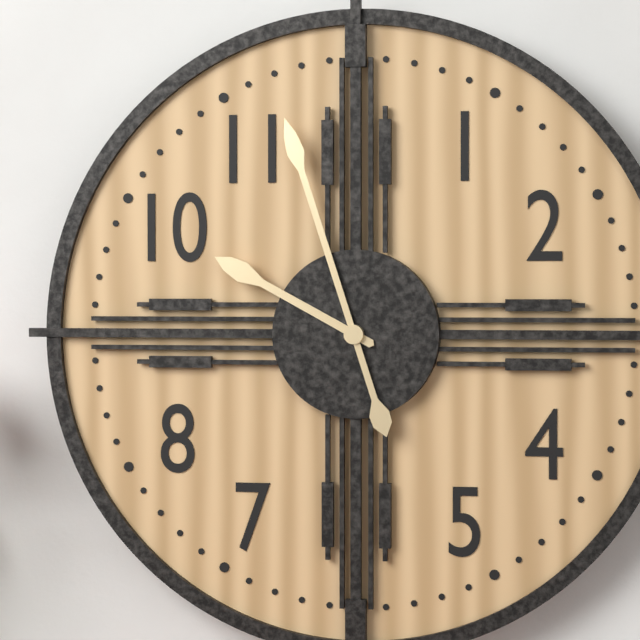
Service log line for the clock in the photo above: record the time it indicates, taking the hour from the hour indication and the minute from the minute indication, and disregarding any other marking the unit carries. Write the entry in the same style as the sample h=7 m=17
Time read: h=9 m=57
